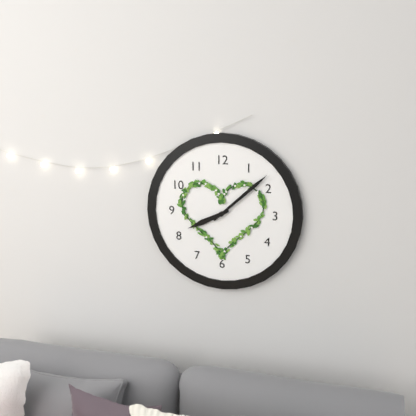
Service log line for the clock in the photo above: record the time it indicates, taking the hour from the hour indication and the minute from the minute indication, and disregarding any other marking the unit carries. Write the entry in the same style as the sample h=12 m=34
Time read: h=8 m=8
